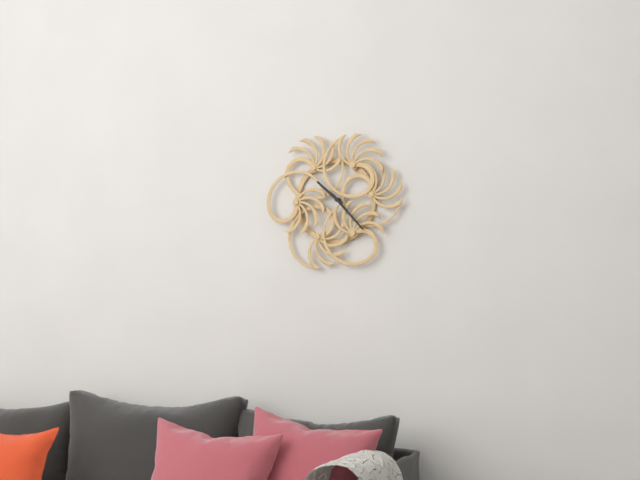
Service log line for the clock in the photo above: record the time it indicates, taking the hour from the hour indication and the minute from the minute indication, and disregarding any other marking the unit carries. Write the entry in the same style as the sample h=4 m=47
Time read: h=10 m=23
